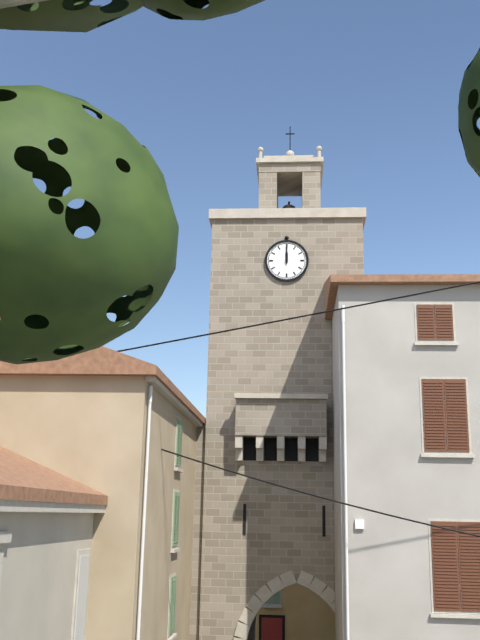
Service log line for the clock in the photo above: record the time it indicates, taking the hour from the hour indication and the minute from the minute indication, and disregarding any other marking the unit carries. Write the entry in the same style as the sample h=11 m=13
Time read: h=12 m=0
